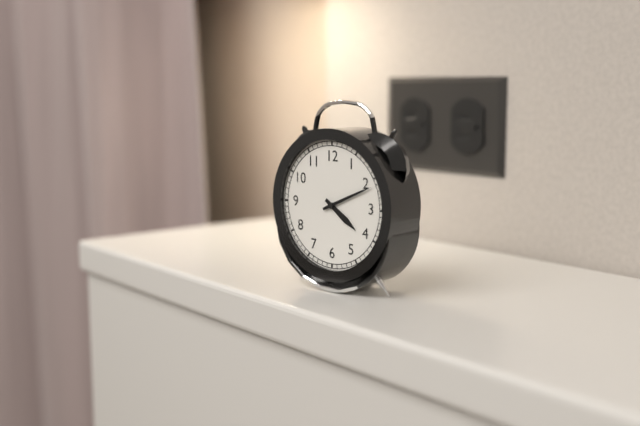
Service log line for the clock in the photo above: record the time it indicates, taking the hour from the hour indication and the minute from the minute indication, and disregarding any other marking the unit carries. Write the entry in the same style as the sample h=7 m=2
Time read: h=4 m=11
